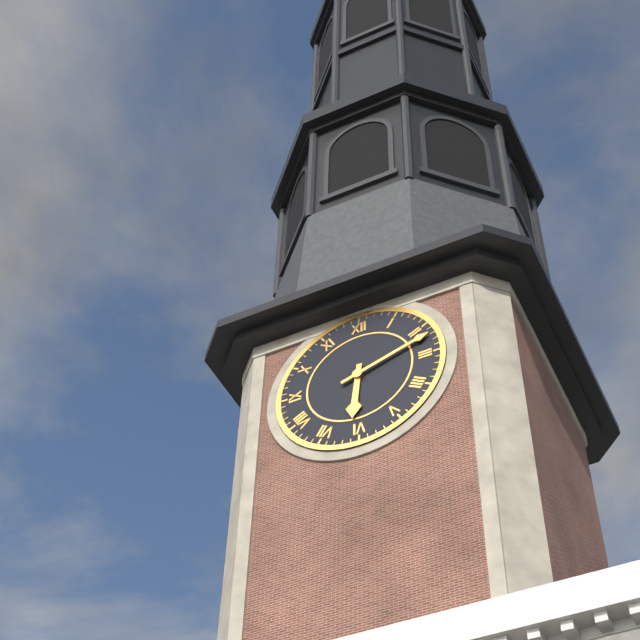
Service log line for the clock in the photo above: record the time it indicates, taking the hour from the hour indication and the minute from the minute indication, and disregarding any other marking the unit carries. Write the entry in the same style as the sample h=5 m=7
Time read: h=6 m=12
